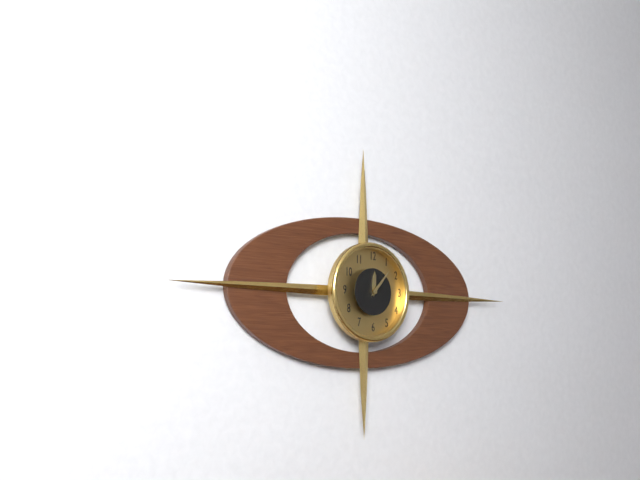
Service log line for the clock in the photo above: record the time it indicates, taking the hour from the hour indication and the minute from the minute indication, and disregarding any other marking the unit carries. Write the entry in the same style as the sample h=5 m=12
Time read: h=12 m=7
